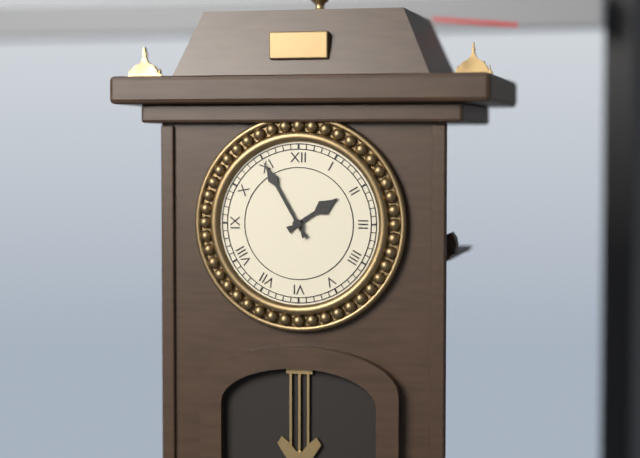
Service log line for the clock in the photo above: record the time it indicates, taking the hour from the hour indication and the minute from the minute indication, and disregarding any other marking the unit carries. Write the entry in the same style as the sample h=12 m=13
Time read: h=1 m=55
